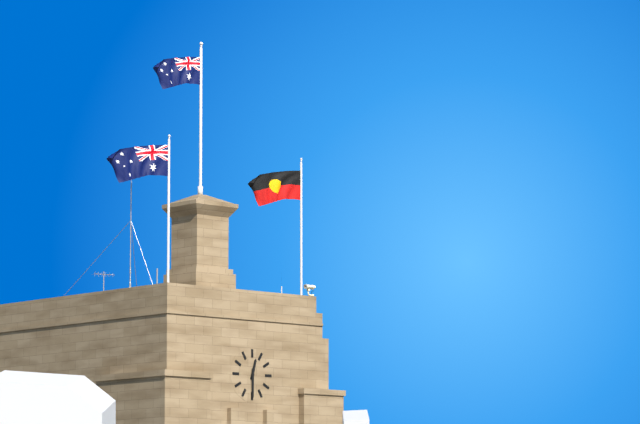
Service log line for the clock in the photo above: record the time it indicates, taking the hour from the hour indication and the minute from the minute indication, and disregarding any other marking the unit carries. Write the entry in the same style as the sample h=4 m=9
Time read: h=12 m=30
